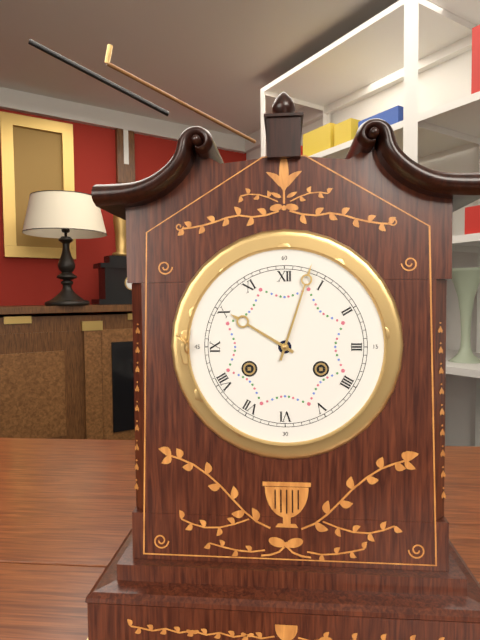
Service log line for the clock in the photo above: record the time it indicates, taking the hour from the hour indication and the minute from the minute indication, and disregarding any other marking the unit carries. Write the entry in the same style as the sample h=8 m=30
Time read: h=10 m=3
